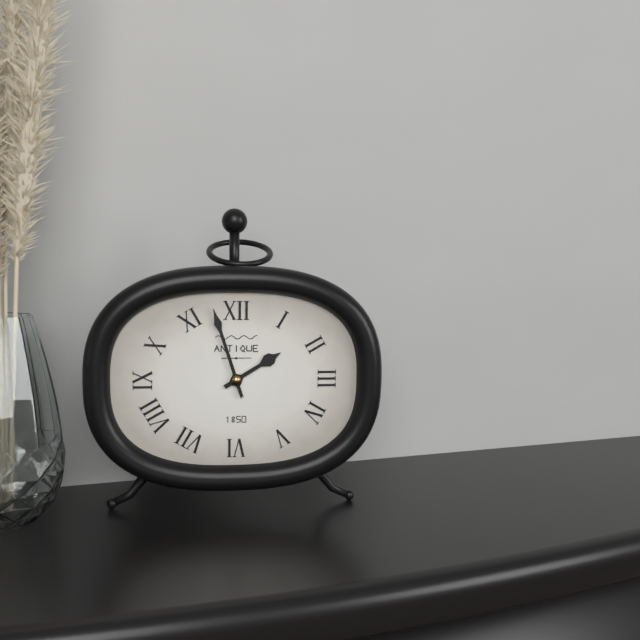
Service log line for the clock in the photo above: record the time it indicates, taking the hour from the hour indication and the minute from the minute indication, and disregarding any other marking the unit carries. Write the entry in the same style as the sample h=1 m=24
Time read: h=1 m=57
